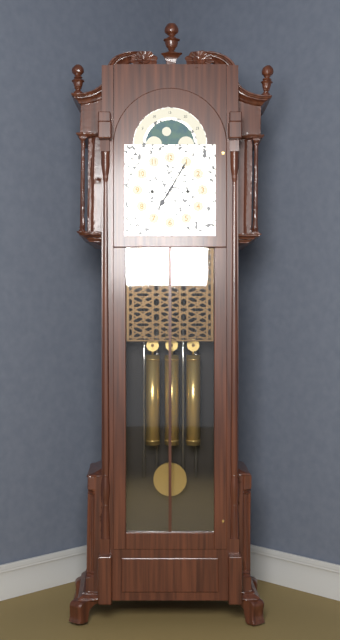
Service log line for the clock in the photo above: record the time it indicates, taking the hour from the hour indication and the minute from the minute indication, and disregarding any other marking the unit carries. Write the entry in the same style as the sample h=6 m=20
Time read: h=7 m=5
